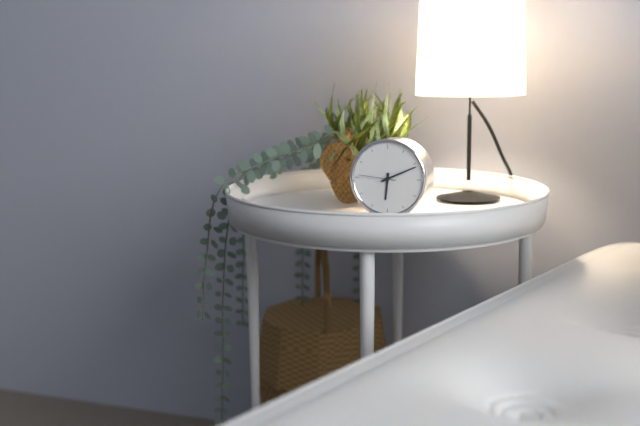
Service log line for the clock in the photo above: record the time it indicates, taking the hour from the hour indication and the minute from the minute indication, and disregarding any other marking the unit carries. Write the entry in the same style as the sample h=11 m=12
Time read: h=6 m=11
